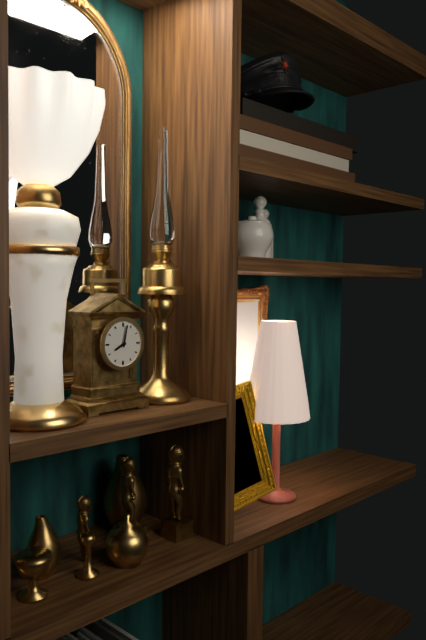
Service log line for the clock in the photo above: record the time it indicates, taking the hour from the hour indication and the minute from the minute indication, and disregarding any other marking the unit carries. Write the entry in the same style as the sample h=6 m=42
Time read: h=8 m=2
